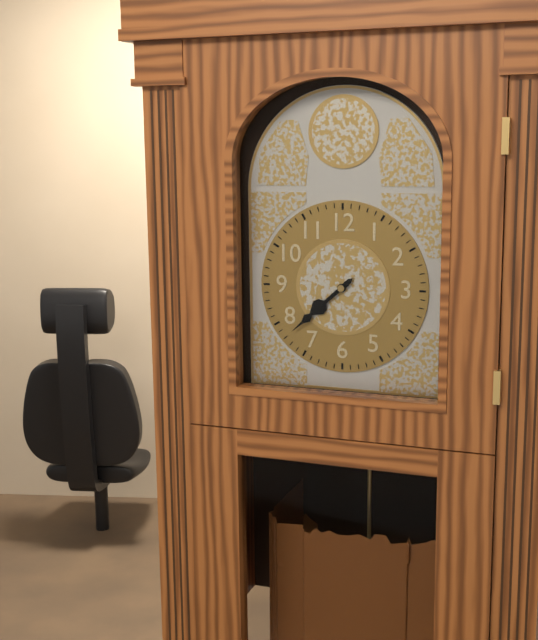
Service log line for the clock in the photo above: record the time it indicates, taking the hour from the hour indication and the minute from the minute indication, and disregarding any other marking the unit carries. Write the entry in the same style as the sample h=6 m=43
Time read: h=7 m=38
